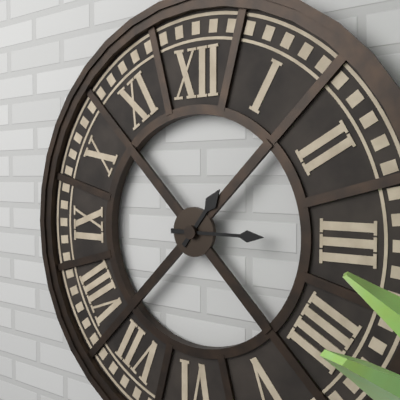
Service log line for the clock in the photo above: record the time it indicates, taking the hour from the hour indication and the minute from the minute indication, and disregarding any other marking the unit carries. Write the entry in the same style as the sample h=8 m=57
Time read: h=1 m=15
